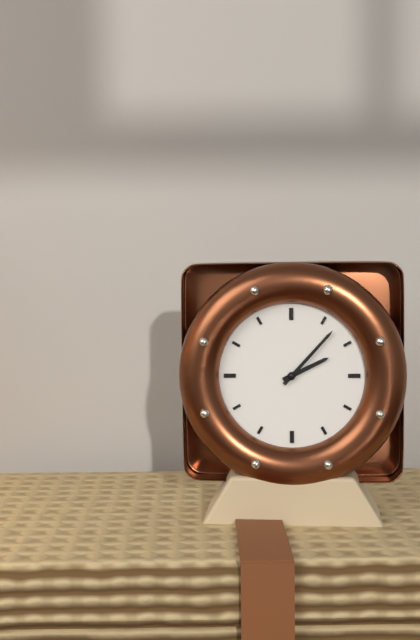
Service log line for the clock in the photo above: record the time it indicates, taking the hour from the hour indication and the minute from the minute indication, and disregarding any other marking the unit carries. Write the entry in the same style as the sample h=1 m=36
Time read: h=2 m=7
